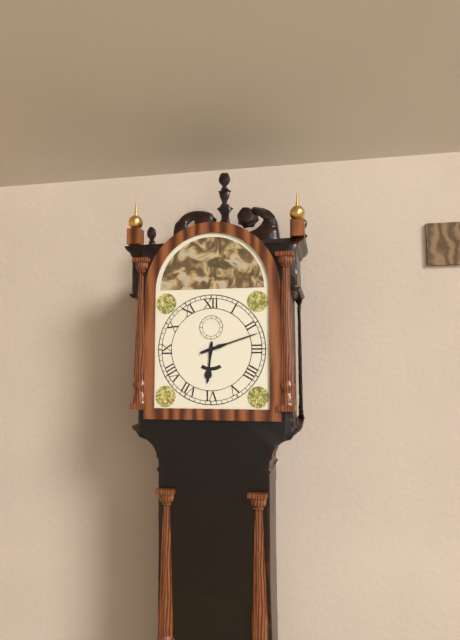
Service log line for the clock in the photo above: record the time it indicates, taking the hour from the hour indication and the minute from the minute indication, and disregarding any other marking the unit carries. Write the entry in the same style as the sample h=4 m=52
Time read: h=6 m=12
